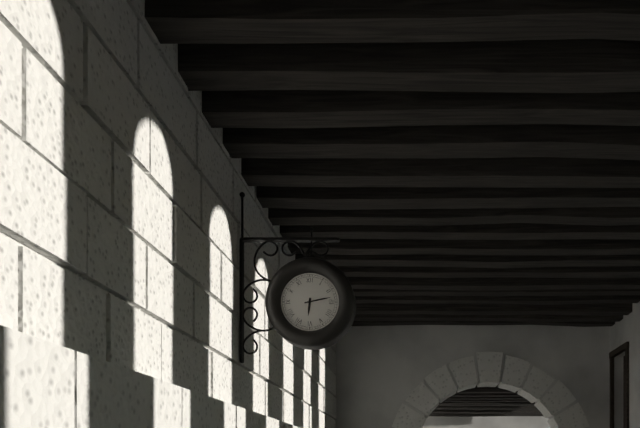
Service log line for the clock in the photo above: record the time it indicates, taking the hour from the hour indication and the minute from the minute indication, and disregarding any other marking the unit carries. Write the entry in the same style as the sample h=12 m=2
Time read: h=6 m=13
